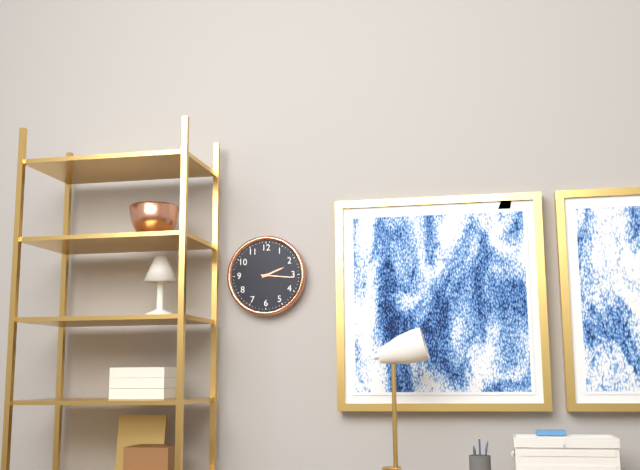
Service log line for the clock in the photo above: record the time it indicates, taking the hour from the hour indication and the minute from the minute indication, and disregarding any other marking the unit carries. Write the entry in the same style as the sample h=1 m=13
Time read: h=2 m=16
